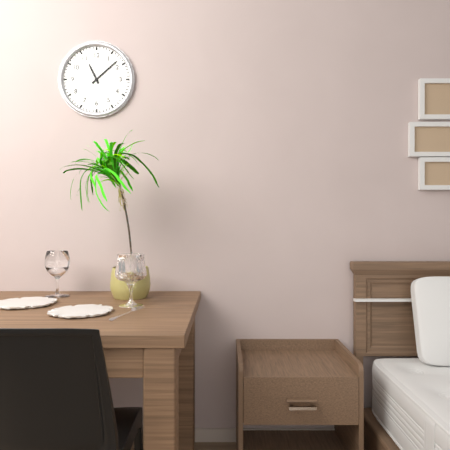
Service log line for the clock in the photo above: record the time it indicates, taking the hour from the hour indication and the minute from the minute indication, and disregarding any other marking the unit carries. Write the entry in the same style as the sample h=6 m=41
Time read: h=11 m=8
